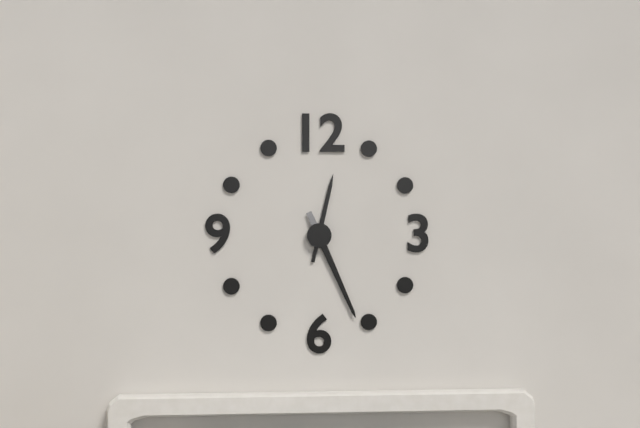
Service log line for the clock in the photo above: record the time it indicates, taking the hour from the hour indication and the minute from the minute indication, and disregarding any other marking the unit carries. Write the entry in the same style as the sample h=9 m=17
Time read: h=12 m=26
